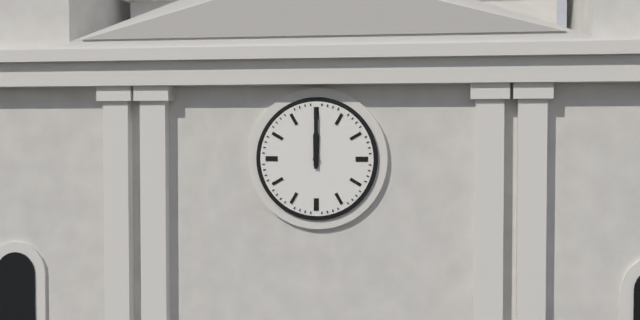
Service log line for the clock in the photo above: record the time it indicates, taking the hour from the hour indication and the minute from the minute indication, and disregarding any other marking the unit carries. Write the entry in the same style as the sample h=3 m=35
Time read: h=12 m=0
